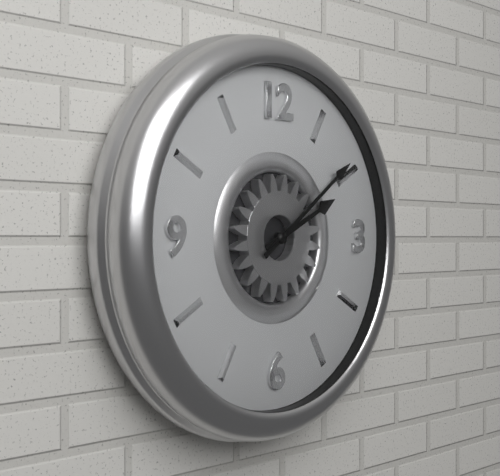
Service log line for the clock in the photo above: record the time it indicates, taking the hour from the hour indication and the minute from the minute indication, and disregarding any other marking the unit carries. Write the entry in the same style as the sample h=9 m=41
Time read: h=2 m=9
